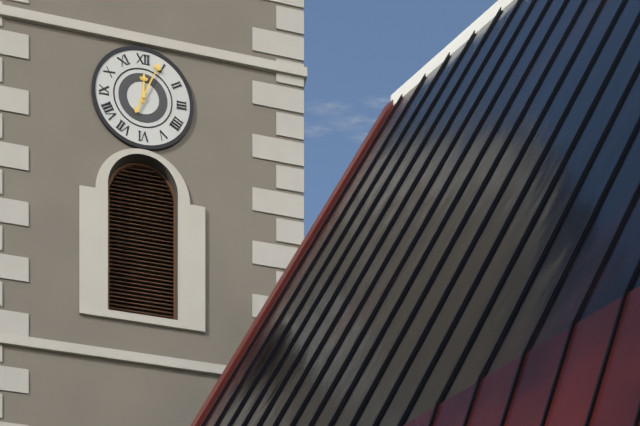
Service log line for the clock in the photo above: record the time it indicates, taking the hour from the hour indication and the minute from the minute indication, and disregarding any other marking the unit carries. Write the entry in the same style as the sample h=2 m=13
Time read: h=12 m=4
